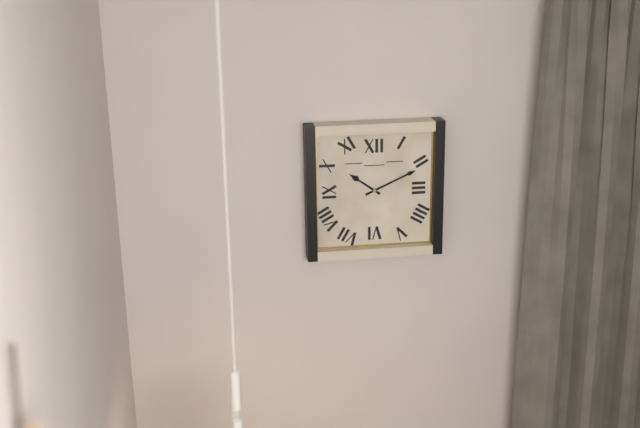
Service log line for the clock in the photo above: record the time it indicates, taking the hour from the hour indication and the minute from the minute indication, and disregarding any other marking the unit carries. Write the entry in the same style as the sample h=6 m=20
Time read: h=10 m=11
